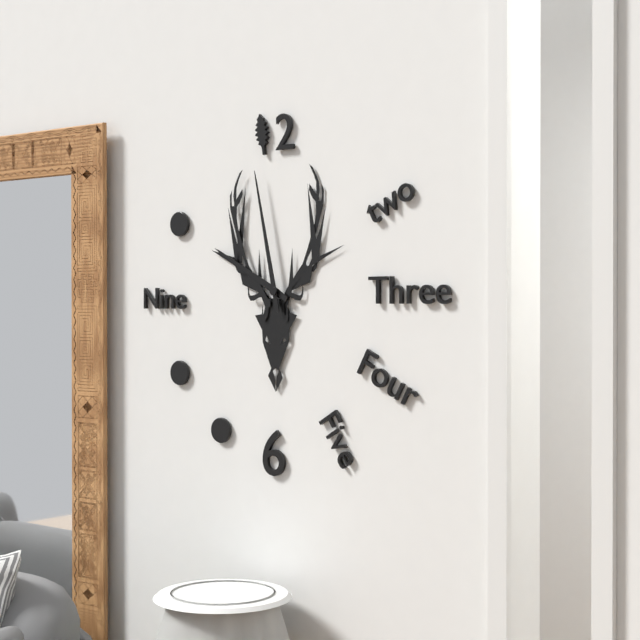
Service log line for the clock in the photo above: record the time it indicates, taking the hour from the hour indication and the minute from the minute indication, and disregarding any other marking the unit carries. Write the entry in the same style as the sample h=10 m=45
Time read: h=9 m=58
